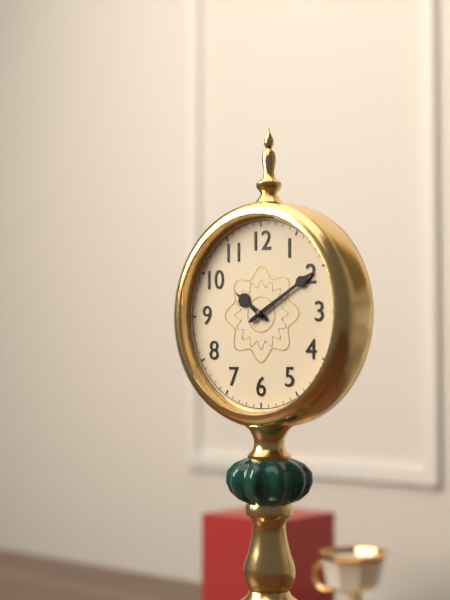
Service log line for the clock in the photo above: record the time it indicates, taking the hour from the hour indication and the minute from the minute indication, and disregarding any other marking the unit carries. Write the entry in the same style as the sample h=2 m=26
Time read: h=10 m=10
